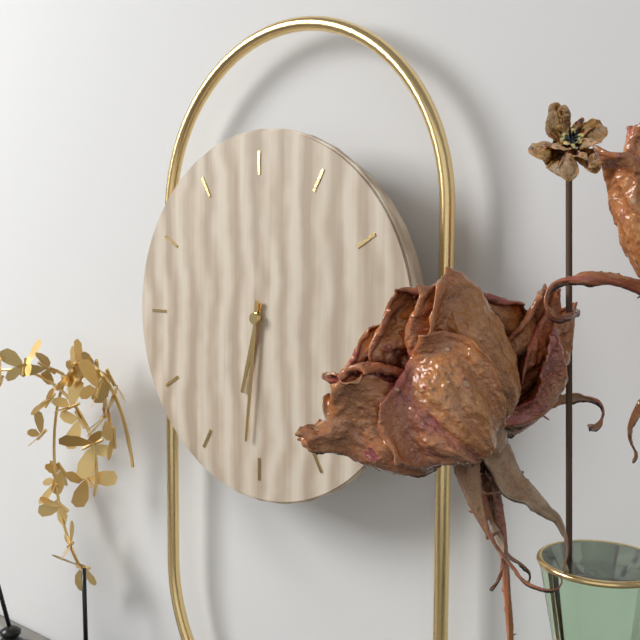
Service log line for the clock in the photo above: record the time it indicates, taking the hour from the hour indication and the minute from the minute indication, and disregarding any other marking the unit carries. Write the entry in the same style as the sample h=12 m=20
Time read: h=6 m=31
